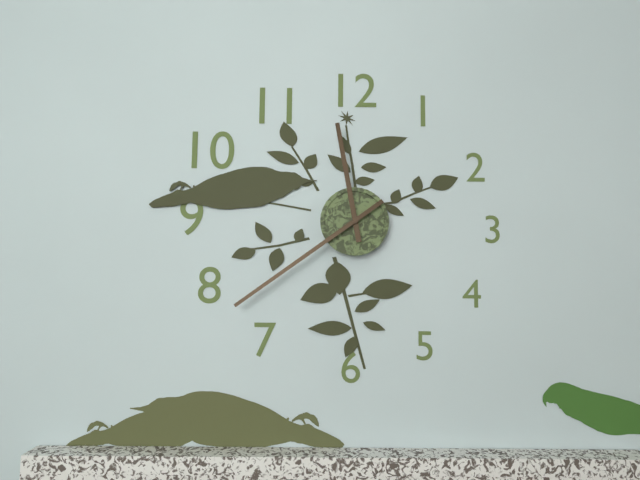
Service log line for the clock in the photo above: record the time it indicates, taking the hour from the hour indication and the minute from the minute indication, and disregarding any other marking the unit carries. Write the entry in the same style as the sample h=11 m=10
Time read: h=11 m=39
